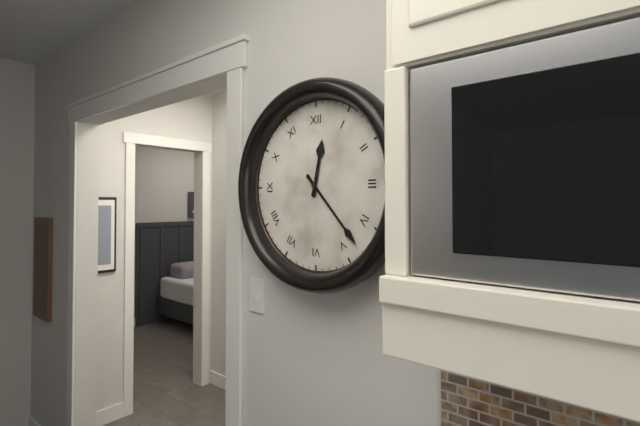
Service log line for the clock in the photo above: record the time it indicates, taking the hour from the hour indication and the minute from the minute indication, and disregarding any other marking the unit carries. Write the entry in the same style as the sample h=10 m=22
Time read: h=12 m=23
